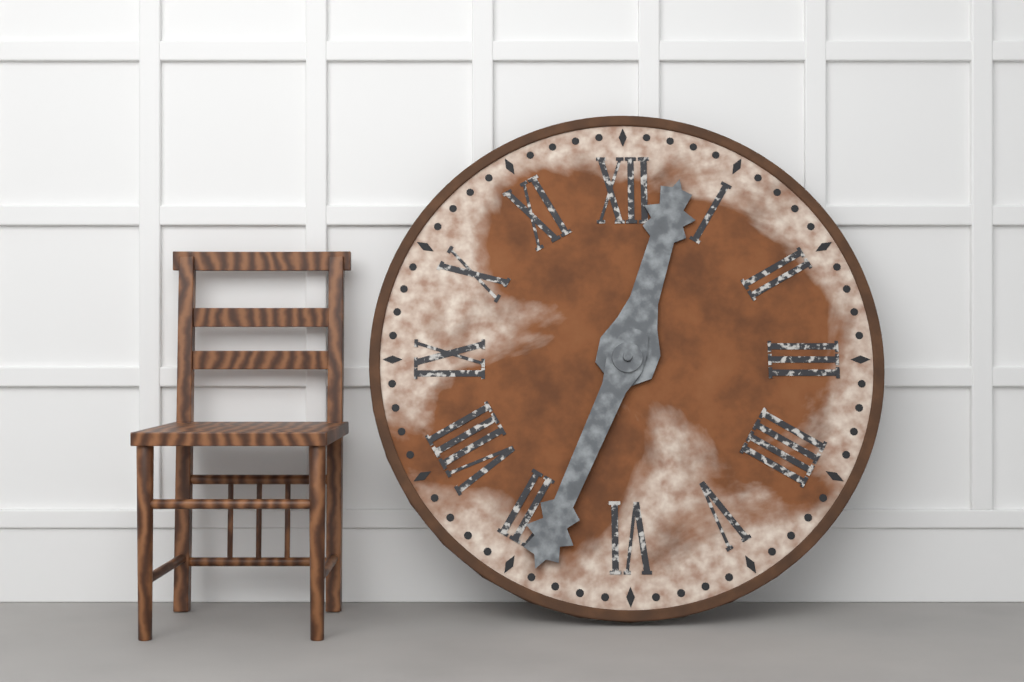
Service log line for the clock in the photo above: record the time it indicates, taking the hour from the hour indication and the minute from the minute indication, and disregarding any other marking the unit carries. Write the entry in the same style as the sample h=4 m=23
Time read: h=12 m=34
